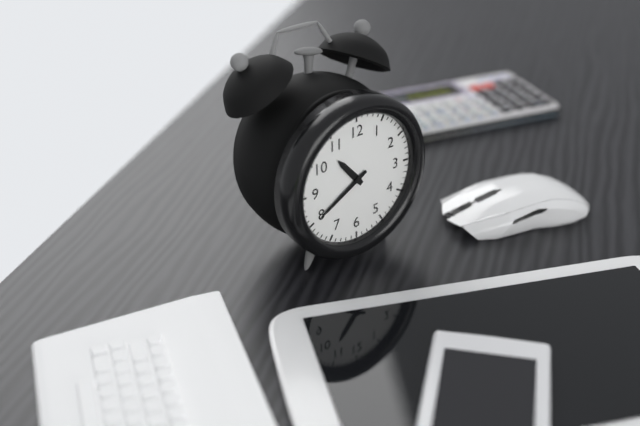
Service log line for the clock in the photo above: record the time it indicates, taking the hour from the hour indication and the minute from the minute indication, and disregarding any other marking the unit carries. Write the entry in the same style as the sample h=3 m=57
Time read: h=10 m=40
